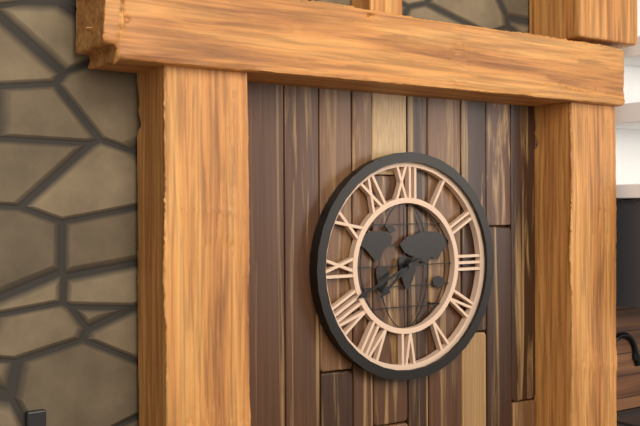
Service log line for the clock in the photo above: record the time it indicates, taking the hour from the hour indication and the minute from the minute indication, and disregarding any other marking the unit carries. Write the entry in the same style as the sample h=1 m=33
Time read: h=7 m=41
